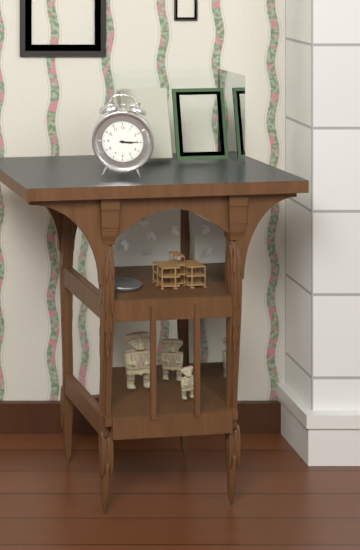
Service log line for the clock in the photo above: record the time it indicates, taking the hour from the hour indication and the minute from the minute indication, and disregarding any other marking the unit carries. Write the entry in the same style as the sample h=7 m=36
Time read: h=3 m=15
